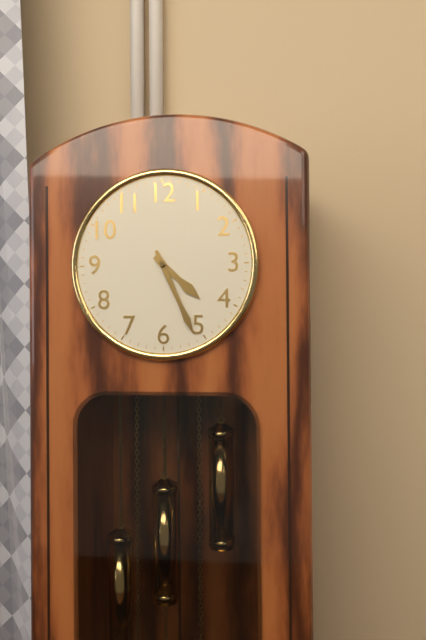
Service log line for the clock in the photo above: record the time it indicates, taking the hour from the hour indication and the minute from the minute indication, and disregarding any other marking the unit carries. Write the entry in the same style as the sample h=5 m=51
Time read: h=4 m=26
